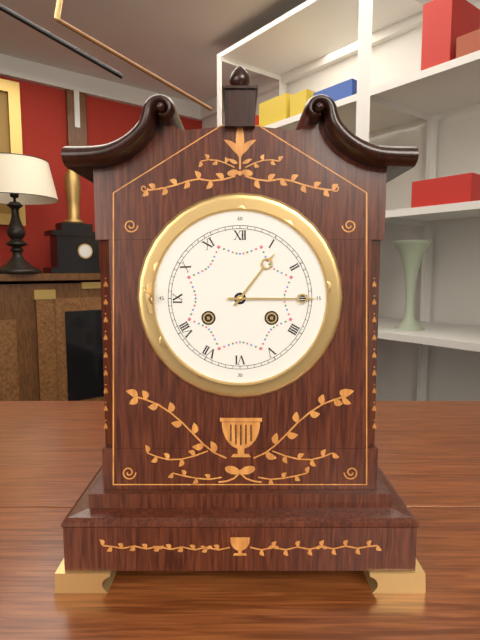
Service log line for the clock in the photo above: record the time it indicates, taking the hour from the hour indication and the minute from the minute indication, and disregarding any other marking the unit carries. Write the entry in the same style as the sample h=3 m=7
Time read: h=1 m=15
